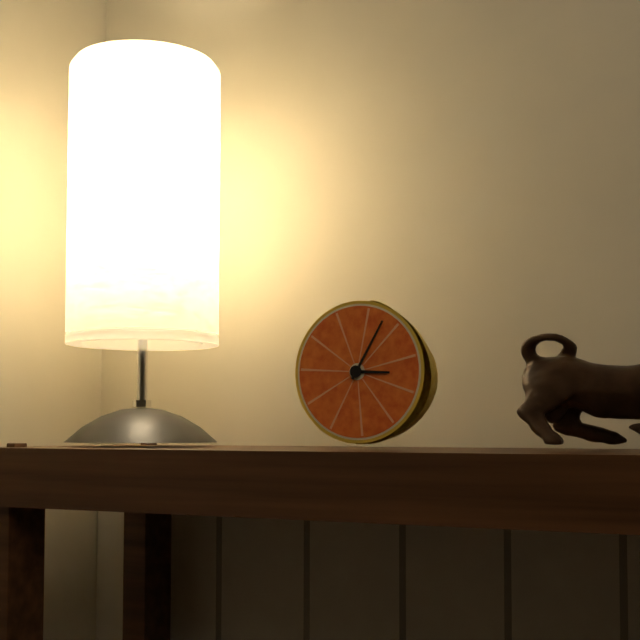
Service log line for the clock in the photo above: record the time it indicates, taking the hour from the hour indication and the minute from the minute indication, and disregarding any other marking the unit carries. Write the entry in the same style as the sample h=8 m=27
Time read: h=3 m=5
